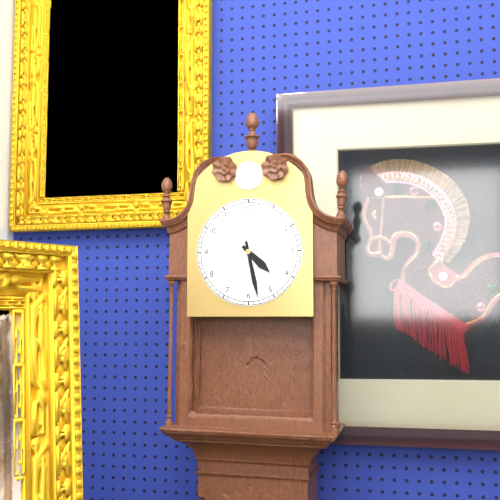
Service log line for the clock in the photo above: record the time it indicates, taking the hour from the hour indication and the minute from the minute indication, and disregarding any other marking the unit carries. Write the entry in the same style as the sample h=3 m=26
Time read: h=4 m=28
